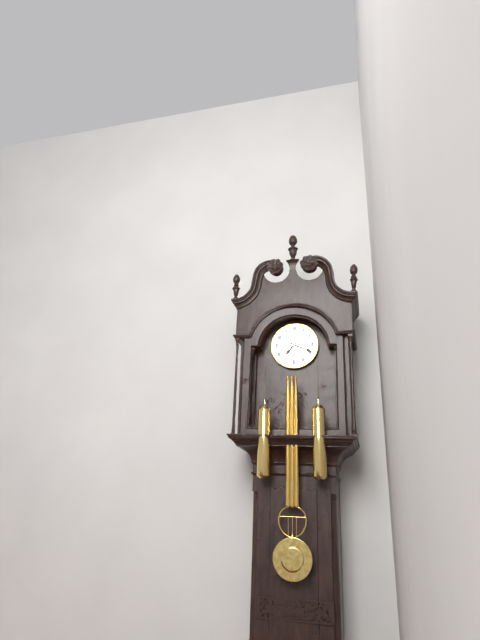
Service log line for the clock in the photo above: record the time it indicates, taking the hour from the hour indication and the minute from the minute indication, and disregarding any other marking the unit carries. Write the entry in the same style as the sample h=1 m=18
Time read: h=7 m=19
